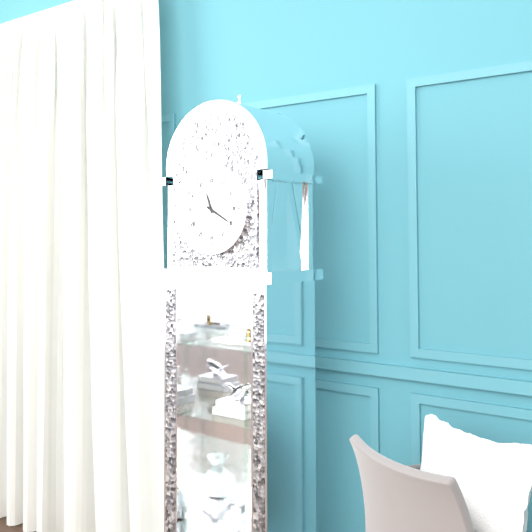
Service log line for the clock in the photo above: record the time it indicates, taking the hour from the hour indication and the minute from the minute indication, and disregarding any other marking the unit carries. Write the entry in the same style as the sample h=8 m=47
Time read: h=11 m=20
